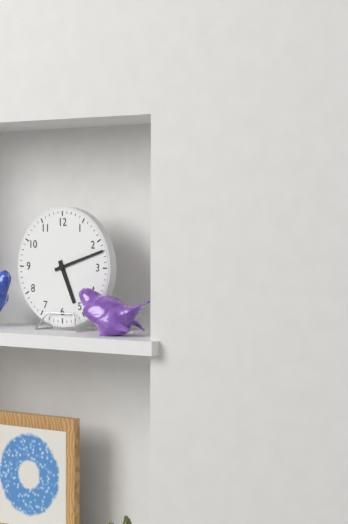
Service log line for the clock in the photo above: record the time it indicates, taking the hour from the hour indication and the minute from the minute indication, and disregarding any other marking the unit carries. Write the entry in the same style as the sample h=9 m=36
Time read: h=5 m=12
